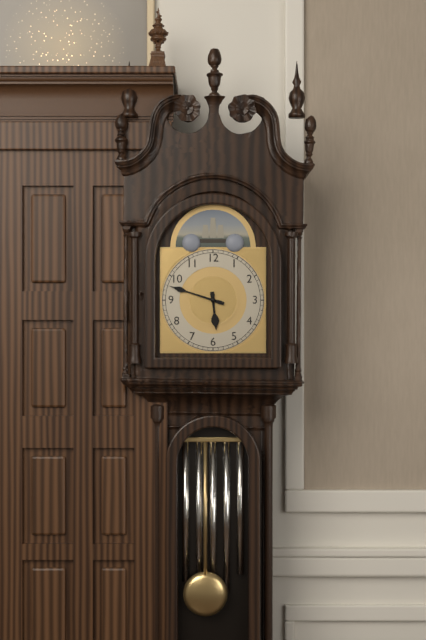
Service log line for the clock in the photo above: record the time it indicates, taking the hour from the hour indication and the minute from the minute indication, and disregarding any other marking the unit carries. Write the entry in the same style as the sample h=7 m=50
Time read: h=5 m=48
